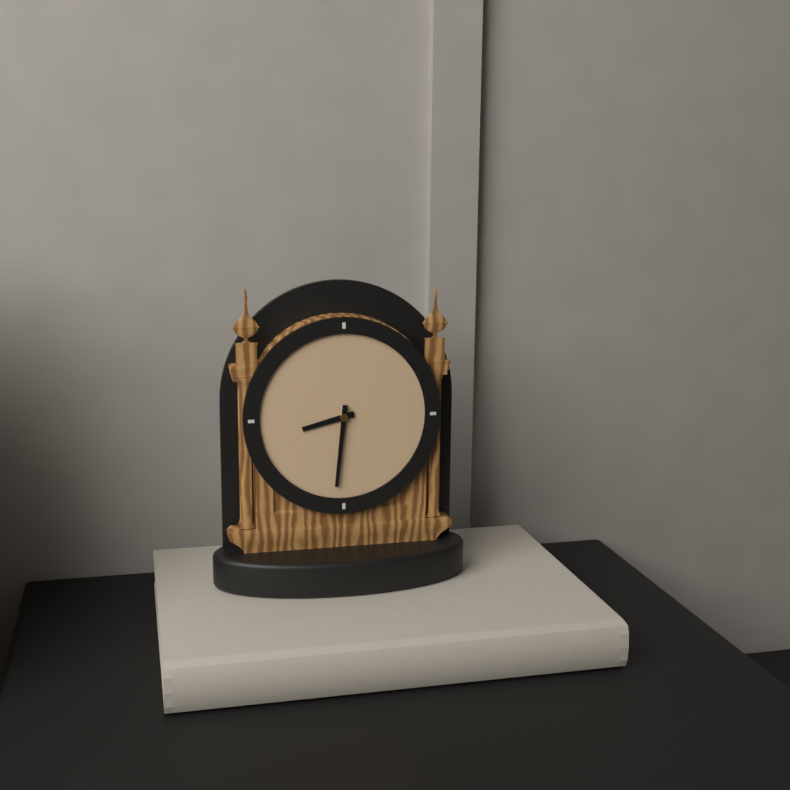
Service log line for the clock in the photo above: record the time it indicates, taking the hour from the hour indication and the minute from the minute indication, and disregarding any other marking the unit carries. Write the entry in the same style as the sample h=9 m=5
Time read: h=8 m=31
